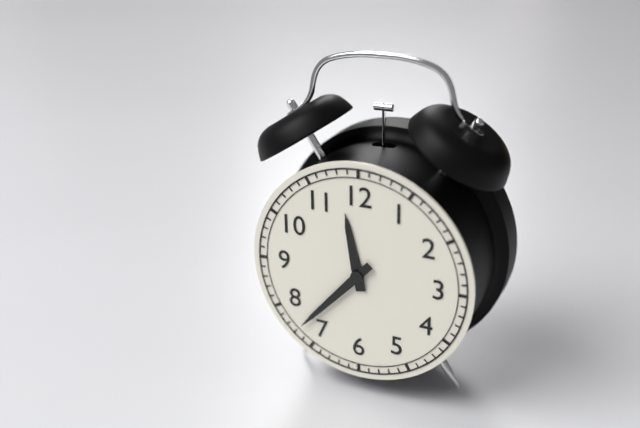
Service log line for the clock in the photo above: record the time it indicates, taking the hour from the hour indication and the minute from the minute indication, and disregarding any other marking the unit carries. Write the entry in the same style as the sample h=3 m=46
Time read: h=11 m=37
